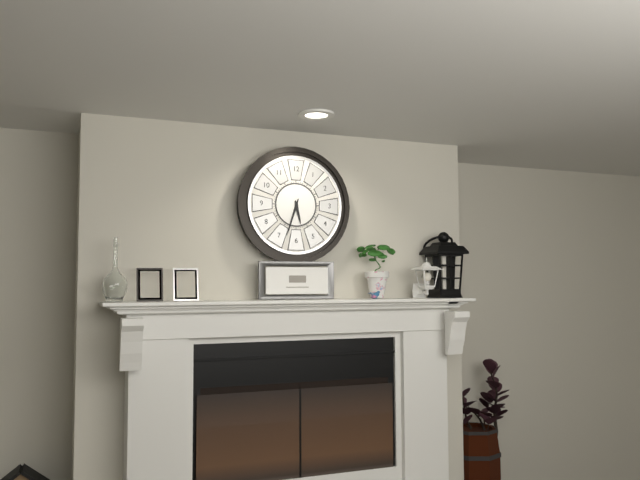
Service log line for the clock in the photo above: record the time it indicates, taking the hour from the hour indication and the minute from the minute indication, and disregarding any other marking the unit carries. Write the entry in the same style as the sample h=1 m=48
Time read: h=5 m=33
